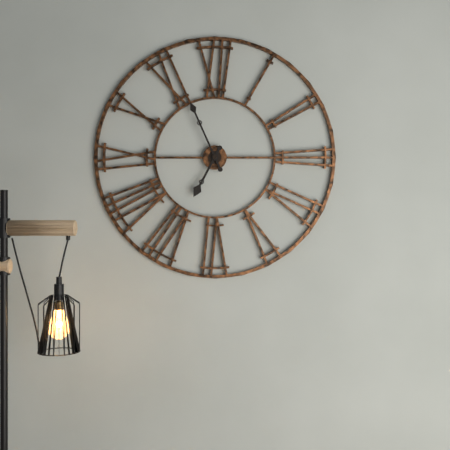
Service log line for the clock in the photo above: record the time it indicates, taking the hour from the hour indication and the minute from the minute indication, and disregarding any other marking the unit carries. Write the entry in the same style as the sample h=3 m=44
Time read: h=6 m=56
